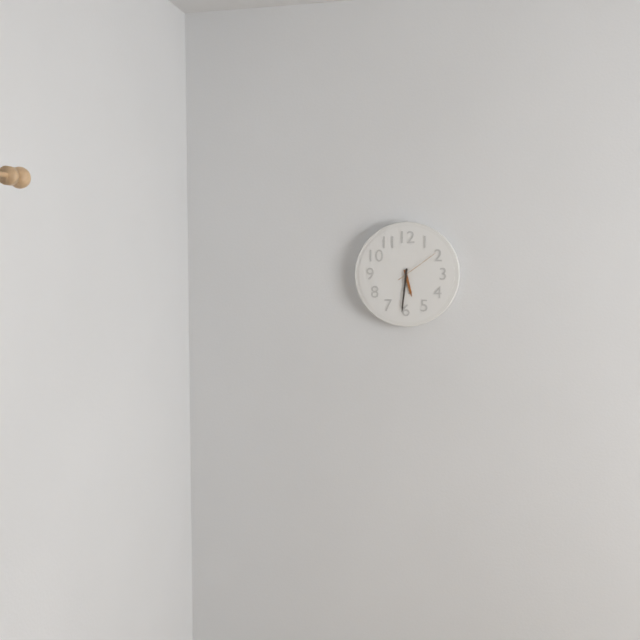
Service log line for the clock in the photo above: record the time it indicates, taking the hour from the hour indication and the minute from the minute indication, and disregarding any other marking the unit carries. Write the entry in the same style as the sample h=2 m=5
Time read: h=5 m=31
